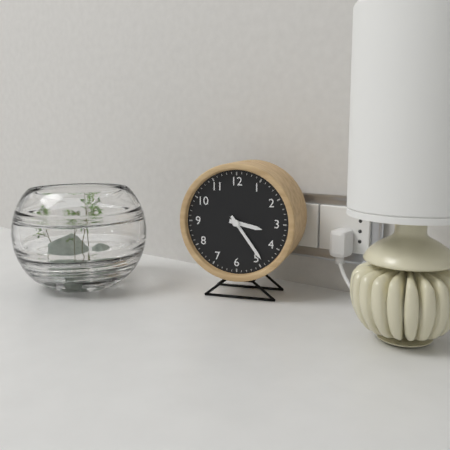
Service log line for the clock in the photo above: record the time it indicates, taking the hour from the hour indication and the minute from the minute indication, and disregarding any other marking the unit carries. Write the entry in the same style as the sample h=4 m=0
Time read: h=3 m=24
